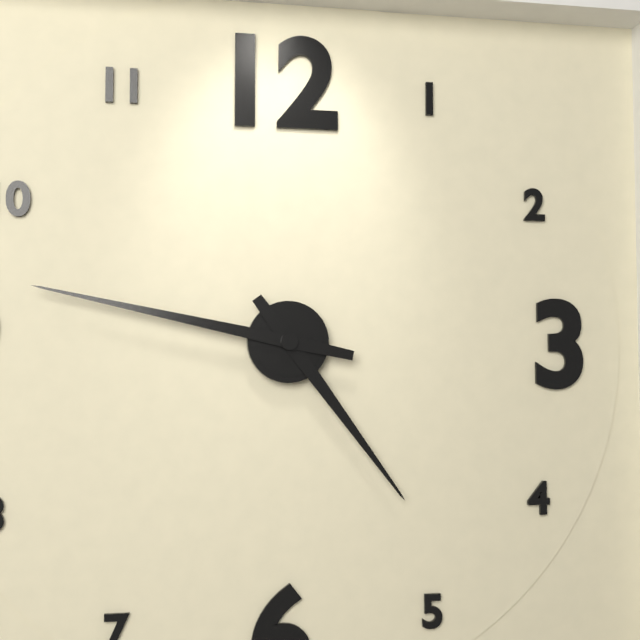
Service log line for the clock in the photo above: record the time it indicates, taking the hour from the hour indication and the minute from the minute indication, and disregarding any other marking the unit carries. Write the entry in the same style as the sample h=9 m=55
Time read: h=4 m=47
